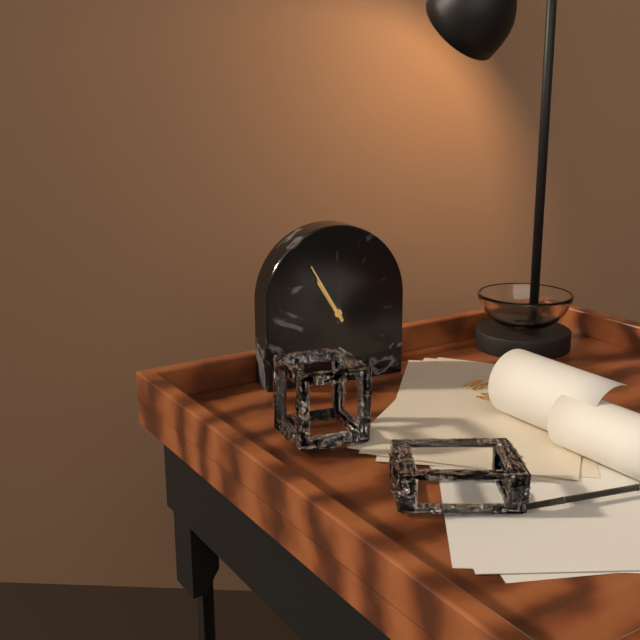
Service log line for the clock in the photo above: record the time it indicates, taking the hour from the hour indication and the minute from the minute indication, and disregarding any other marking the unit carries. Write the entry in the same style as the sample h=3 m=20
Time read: h=10 m=55
